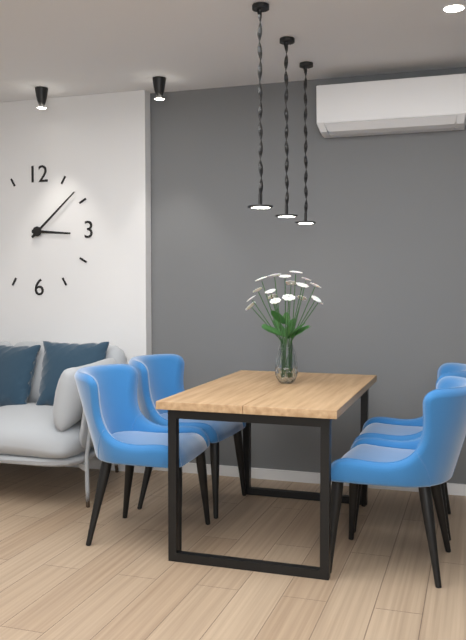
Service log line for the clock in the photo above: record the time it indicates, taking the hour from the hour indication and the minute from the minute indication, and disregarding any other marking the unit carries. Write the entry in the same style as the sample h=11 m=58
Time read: h=3 m=8
